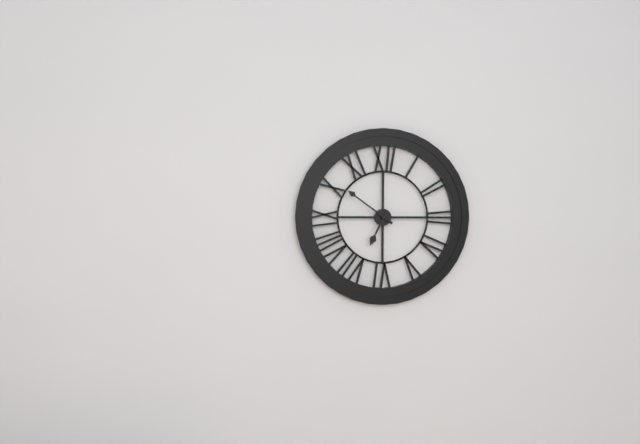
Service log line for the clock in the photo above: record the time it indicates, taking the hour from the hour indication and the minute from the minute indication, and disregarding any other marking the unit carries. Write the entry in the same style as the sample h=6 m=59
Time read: h=6 m=51
